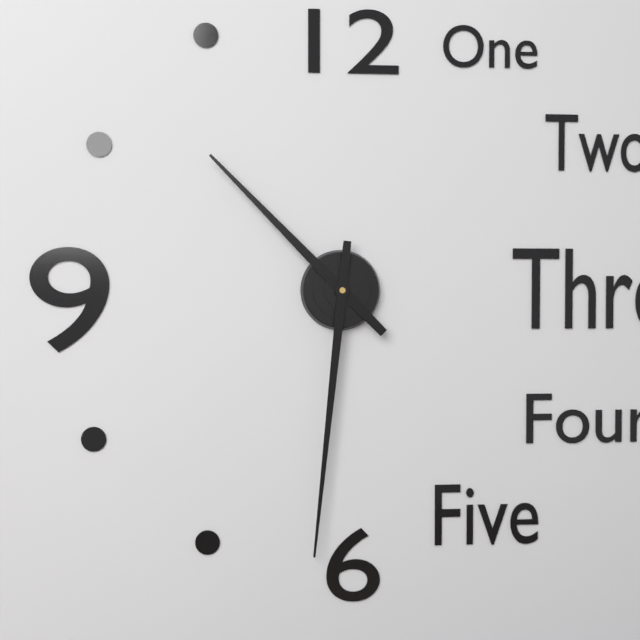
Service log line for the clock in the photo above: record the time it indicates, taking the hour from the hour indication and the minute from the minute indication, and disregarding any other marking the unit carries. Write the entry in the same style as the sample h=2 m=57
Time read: h=10 m=31
